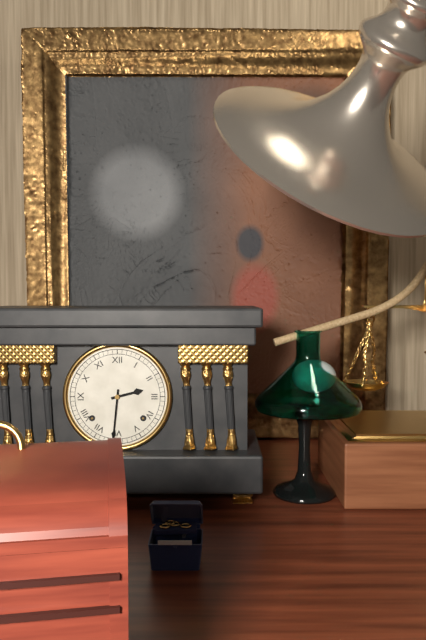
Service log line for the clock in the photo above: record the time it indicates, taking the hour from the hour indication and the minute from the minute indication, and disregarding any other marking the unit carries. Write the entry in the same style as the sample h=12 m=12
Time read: h=2 m=31
